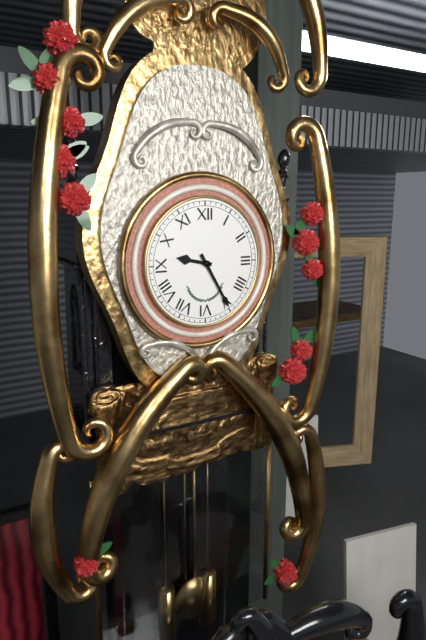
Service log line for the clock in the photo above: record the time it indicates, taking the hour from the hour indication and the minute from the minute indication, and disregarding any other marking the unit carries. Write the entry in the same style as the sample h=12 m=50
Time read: h=9 m=25
